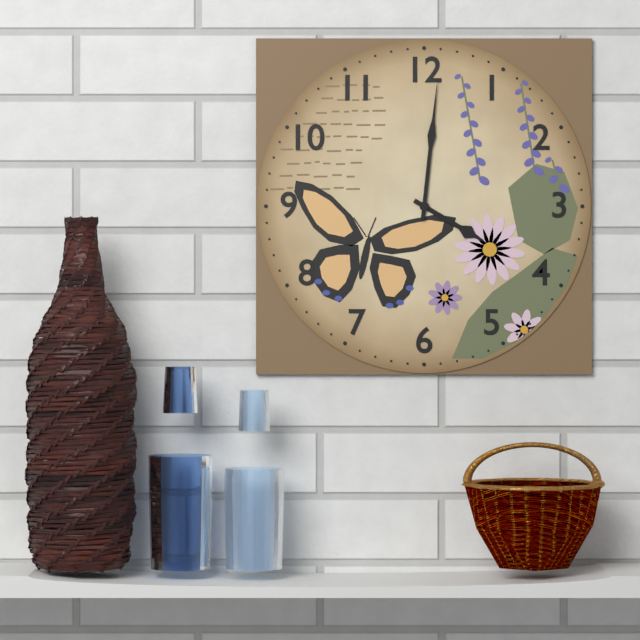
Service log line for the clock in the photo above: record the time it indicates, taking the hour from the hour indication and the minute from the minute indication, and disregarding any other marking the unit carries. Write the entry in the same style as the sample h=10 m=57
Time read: h=4 m=1
